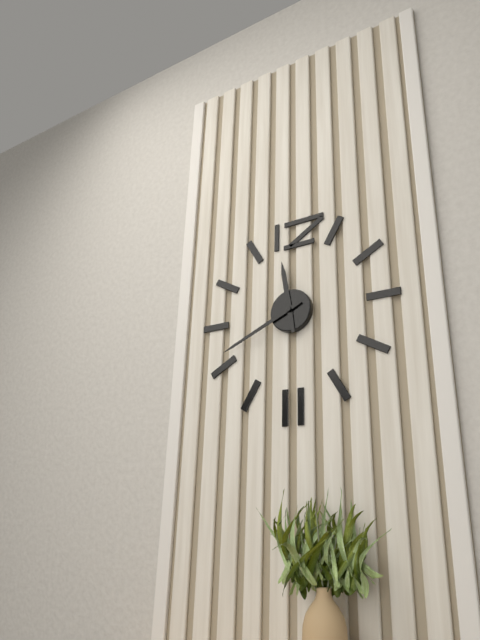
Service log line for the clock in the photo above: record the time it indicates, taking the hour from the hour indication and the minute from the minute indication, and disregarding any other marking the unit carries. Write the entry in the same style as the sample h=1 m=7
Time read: h=11 m=41
